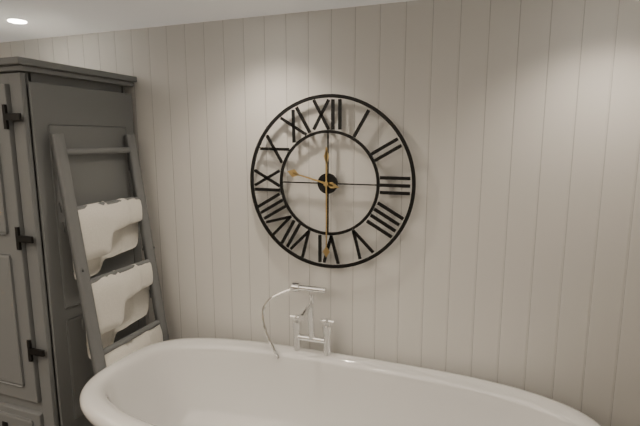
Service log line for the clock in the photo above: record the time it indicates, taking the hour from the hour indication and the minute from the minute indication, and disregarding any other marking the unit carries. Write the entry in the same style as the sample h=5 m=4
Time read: h=9 m=30
